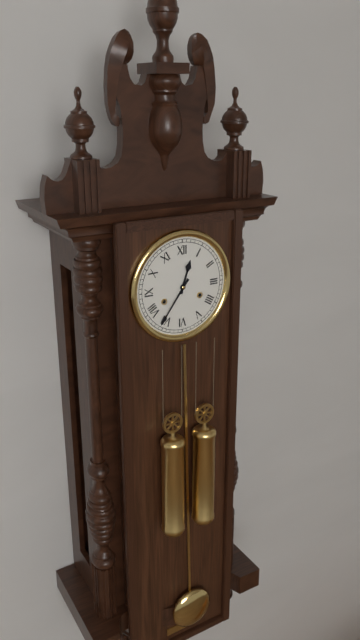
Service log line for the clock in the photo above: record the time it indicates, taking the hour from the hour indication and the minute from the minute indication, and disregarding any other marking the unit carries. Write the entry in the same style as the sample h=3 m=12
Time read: h=12 m=36
